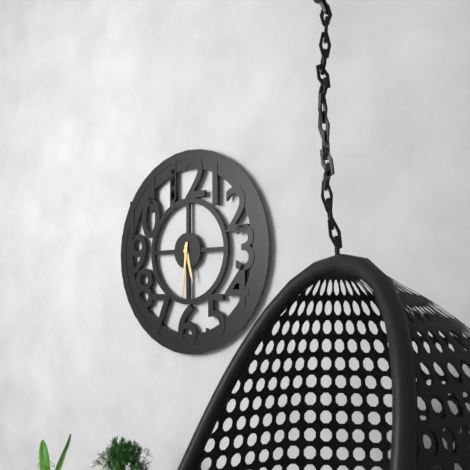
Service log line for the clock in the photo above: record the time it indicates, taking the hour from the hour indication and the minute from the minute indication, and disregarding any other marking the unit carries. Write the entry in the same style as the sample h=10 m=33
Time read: h=5 m=31
